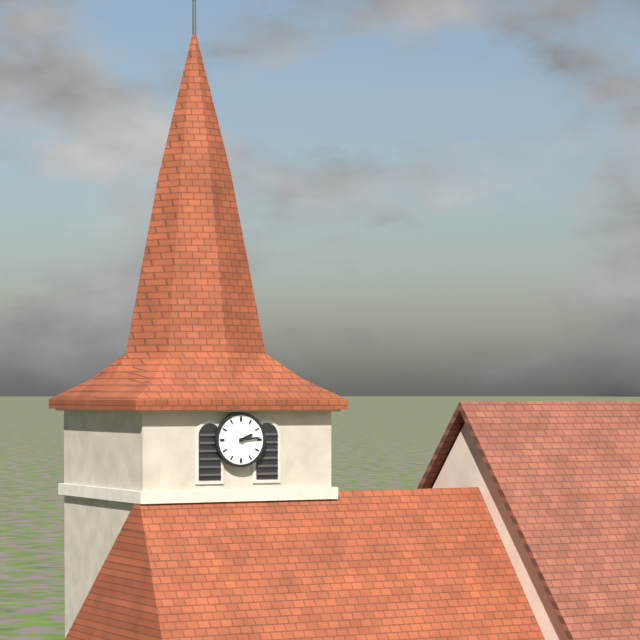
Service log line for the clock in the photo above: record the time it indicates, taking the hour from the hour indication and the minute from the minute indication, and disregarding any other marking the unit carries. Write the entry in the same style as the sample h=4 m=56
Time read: h=2 m=14
